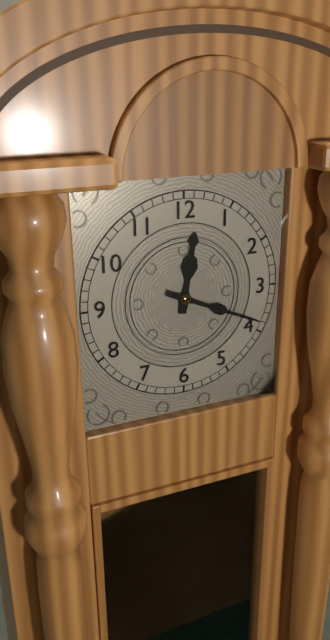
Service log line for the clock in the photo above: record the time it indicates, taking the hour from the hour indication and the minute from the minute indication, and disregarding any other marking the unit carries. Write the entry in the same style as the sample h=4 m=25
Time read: h=12 m=19
